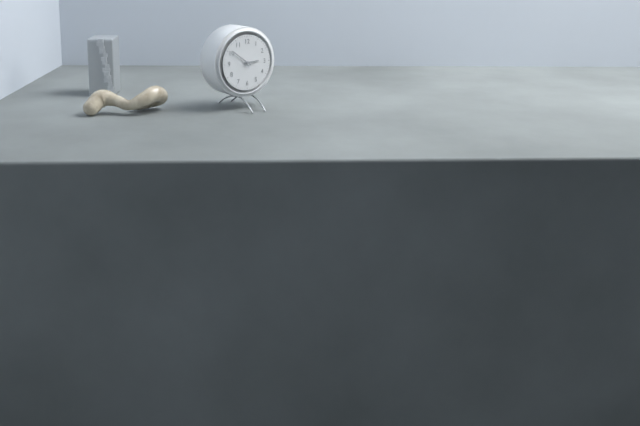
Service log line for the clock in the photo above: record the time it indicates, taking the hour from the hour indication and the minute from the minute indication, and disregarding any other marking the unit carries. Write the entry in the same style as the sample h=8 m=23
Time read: h=2 m=51
